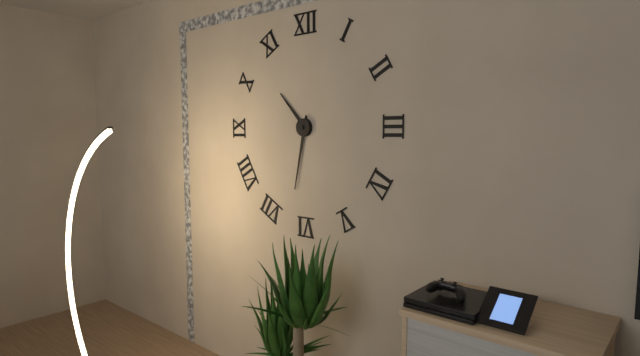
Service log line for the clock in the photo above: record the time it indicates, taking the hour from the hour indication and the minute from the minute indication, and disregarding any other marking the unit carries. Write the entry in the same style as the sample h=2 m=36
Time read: h=10 m=32
